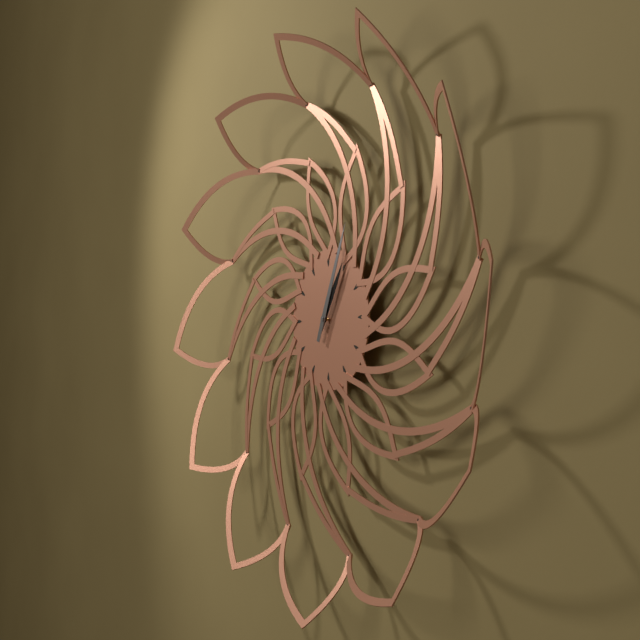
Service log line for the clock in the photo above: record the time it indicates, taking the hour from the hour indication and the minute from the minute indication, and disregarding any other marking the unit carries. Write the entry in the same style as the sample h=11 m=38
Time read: h=1 m=4
